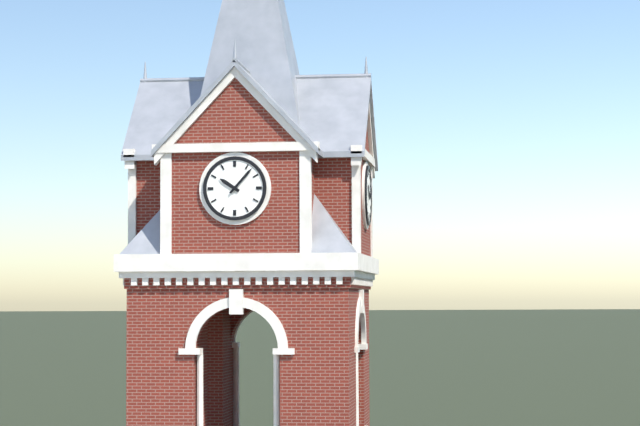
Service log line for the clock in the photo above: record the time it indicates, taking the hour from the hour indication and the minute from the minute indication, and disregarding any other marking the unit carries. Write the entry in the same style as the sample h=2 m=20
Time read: h=10 m=7
